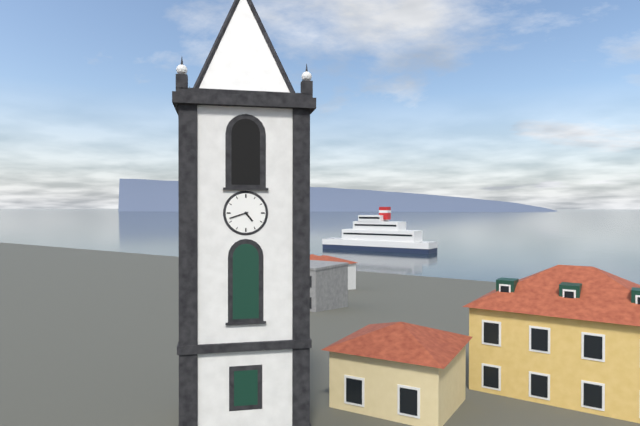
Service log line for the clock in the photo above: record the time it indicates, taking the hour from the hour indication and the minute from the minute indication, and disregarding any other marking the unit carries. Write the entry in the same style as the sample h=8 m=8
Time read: h=4 m=42
